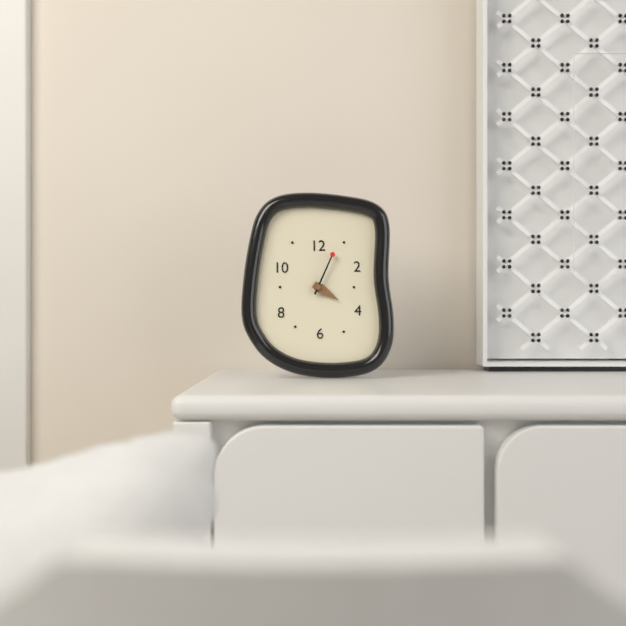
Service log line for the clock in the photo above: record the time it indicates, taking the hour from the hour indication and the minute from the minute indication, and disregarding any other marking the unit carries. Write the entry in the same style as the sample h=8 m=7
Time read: h=4 m=4
